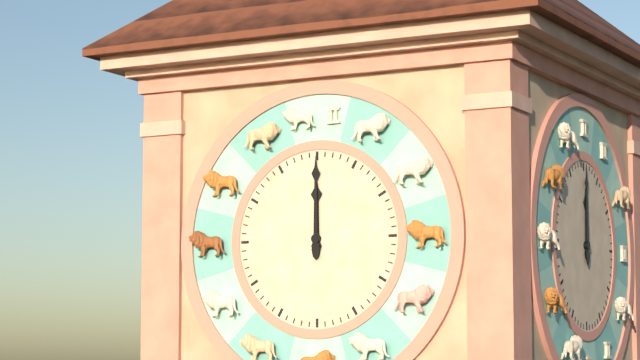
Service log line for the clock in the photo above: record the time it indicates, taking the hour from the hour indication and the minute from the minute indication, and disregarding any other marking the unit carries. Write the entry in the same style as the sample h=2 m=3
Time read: h=12 m=0
